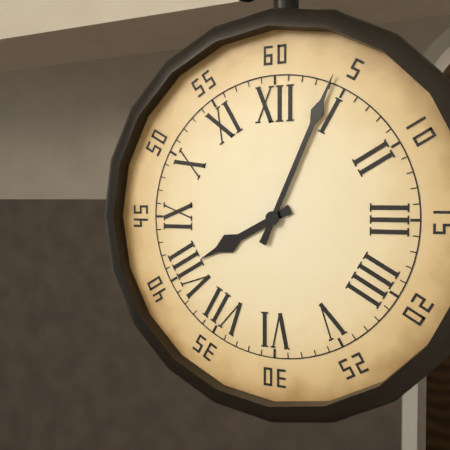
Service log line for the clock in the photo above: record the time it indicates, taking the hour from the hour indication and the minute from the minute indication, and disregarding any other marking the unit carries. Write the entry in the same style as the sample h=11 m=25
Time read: h=8 m=4
